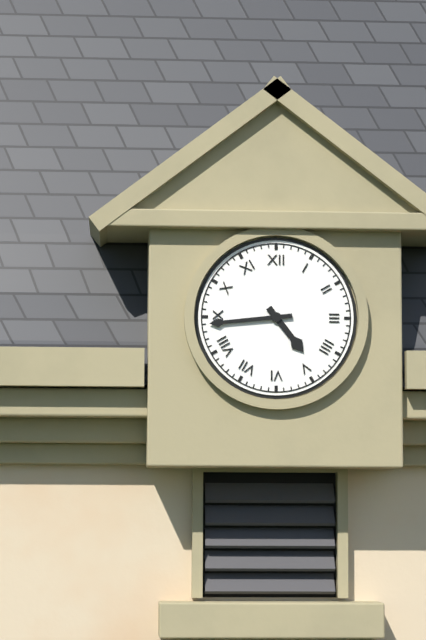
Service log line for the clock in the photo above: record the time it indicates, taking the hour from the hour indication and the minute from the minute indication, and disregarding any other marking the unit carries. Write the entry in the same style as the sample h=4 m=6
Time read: h=4 m=44
